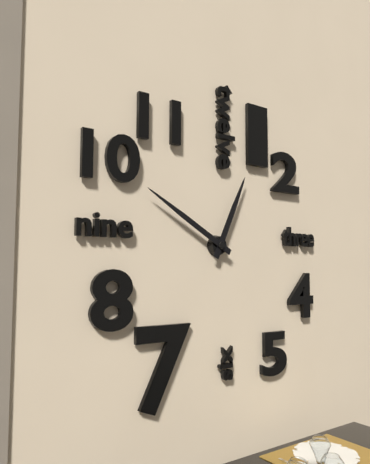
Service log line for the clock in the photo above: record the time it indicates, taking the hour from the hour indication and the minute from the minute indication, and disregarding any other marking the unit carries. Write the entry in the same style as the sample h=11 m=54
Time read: h=12 m=50
